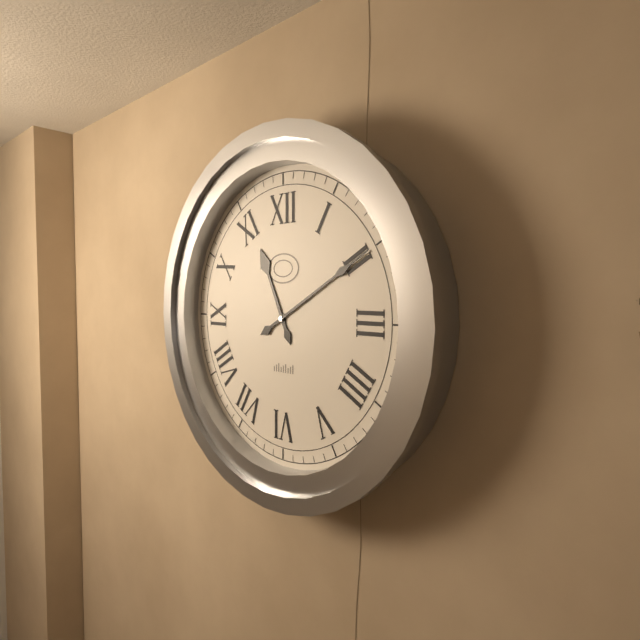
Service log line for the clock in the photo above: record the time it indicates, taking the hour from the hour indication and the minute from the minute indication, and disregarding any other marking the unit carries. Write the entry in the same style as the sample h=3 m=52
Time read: h=11 m=10
